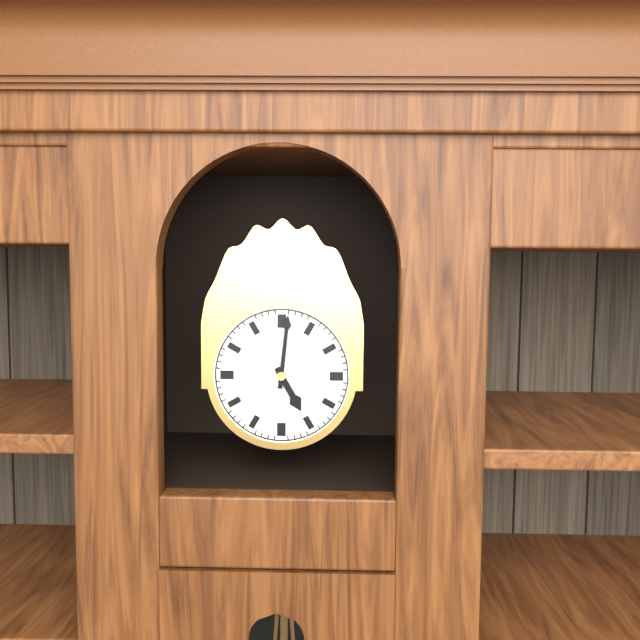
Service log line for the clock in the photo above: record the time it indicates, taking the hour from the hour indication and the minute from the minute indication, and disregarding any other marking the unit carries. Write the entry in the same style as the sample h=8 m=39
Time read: h=5 m=1
